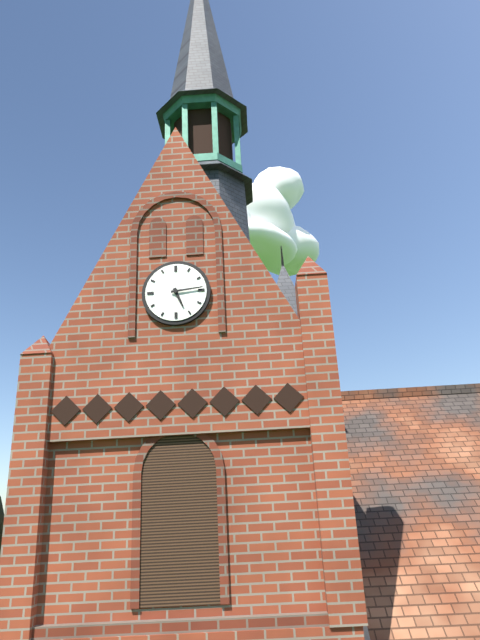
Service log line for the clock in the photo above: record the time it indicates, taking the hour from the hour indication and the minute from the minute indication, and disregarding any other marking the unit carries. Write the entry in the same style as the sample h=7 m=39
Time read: h=5 m=14
